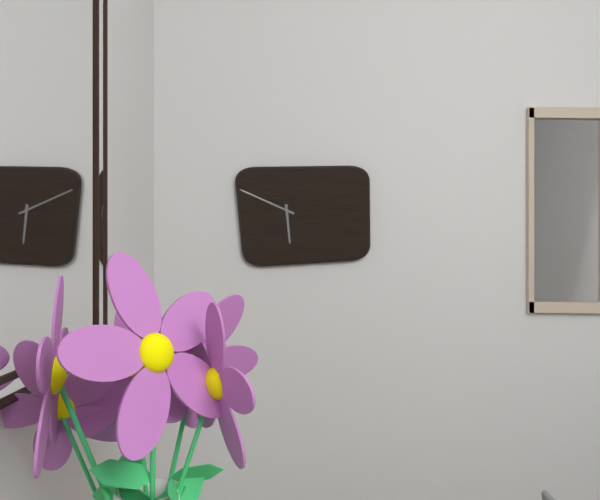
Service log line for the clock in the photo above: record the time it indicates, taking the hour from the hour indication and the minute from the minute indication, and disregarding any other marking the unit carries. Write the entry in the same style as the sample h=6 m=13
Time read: h=5 m=49
